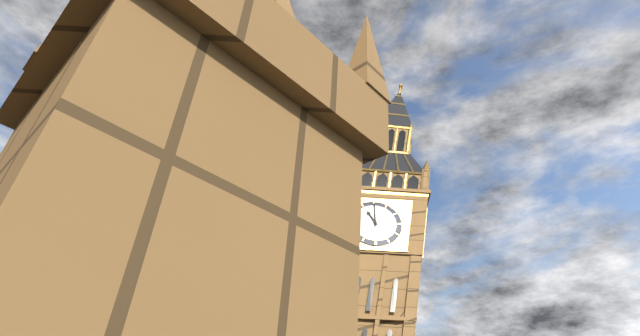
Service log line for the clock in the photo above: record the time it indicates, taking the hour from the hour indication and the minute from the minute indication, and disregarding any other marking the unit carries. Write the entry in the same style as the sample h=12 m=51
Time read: h=11 m=0
